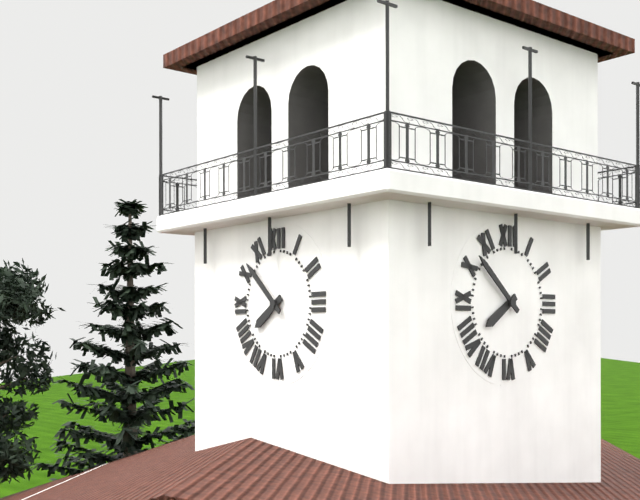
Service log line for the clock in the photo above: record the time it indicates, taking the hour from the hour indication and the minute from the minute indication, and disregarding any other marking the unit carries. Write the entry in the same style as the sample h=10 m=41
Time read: h=7 m=52
